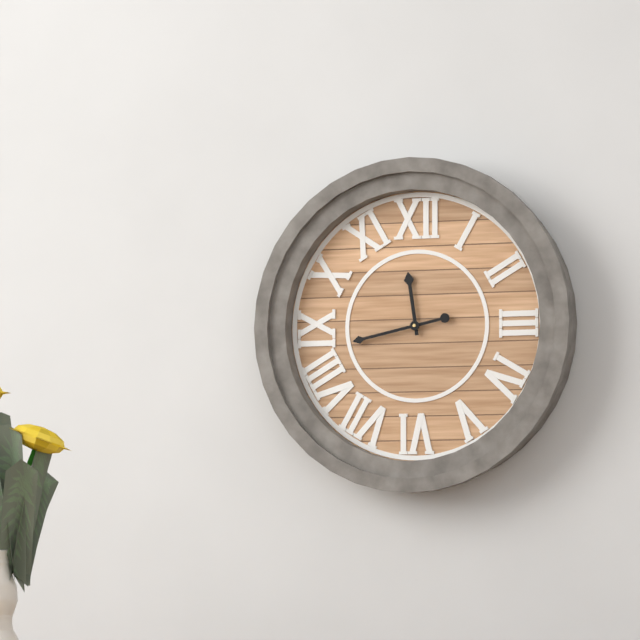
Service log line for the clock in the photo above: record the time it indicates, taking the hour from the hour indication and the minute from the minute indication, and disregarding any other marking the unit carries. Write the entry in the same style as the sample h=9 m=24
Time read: h=11 m=43
